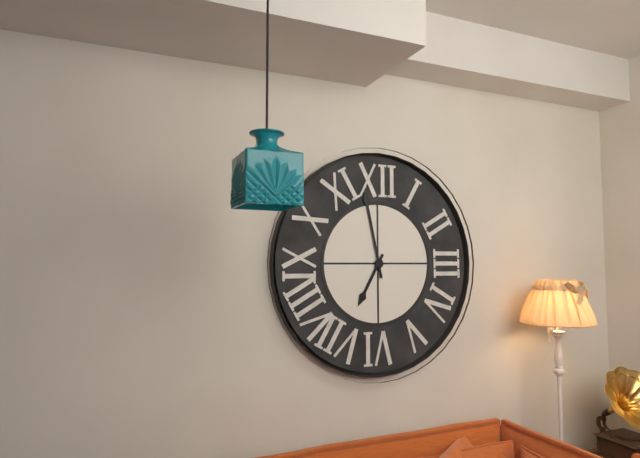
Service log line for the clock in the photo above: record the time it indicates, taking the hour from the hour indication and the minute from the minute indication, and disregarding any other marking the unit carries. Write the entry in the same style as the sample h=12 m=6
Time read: h=6 m=58
